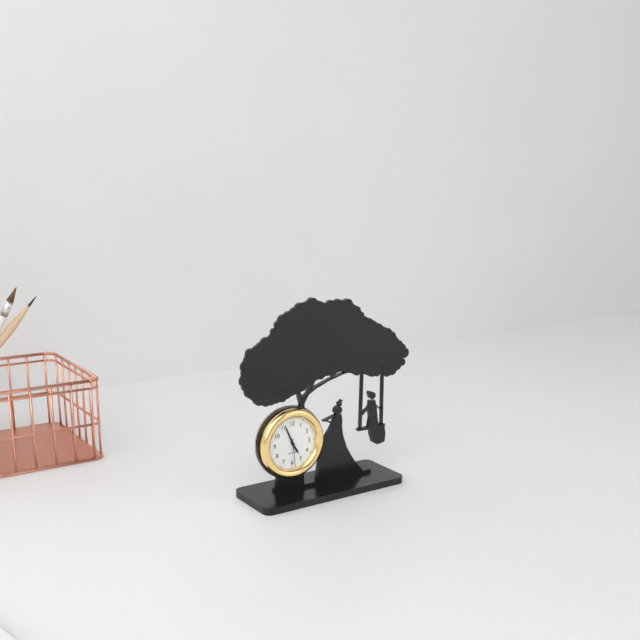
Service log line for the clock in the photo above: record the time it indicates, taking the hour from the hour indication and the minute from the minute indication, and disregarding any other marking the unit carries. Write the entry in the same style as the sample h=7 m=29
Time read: h=4 m=56
